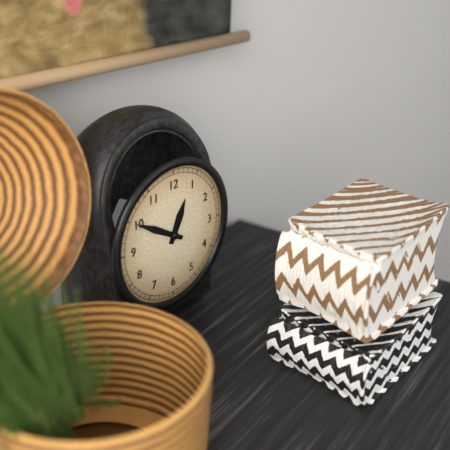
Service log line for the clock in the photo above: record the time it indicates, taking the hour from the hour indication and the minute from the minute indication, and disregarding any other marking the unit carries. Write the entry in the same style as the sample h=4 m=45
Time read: h=12 m=50
